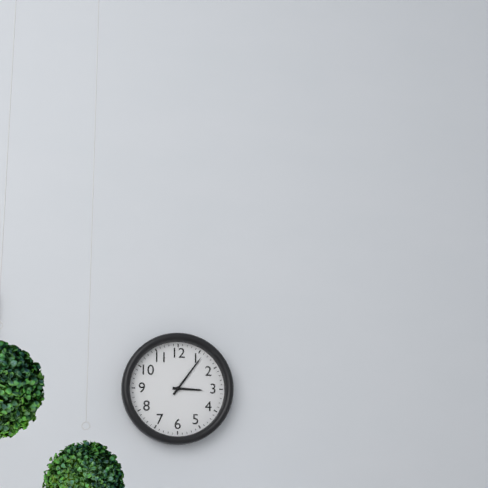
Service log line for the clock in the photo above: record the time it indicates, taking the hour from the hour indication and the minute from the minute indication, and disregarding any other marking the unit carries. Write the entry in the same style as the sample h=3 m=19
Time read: h=3 m=6
